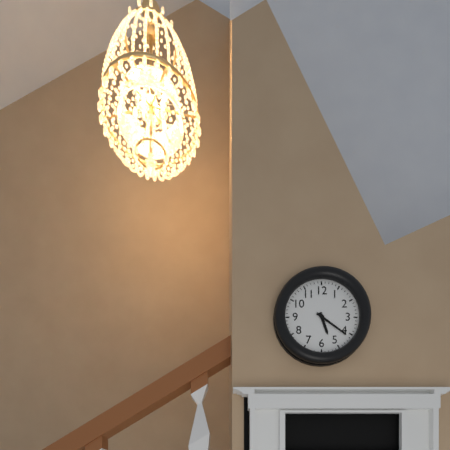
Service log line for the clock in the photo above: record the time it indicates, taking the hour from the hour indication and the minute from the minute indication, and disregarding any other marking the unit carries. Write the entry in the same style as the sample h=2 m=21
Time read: h=5 m=21
